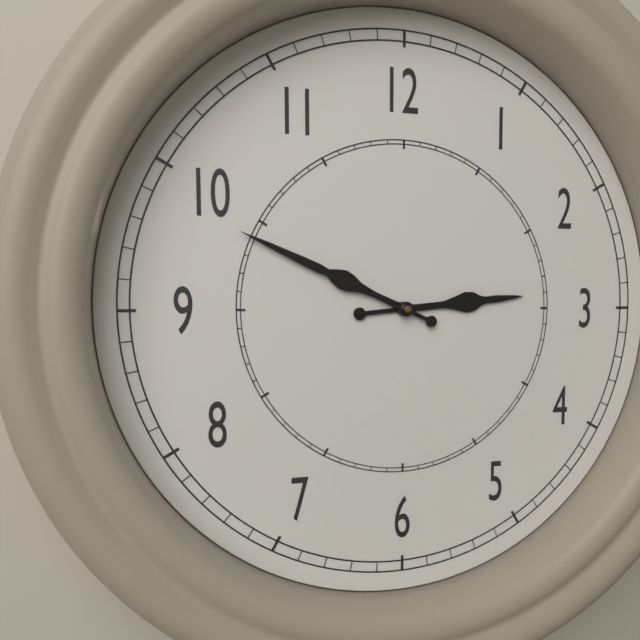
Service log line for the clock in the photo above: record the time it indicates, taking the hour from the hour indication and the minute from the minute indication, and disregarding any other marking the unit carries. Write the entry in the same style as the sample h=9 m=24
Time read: h=2 m=49
